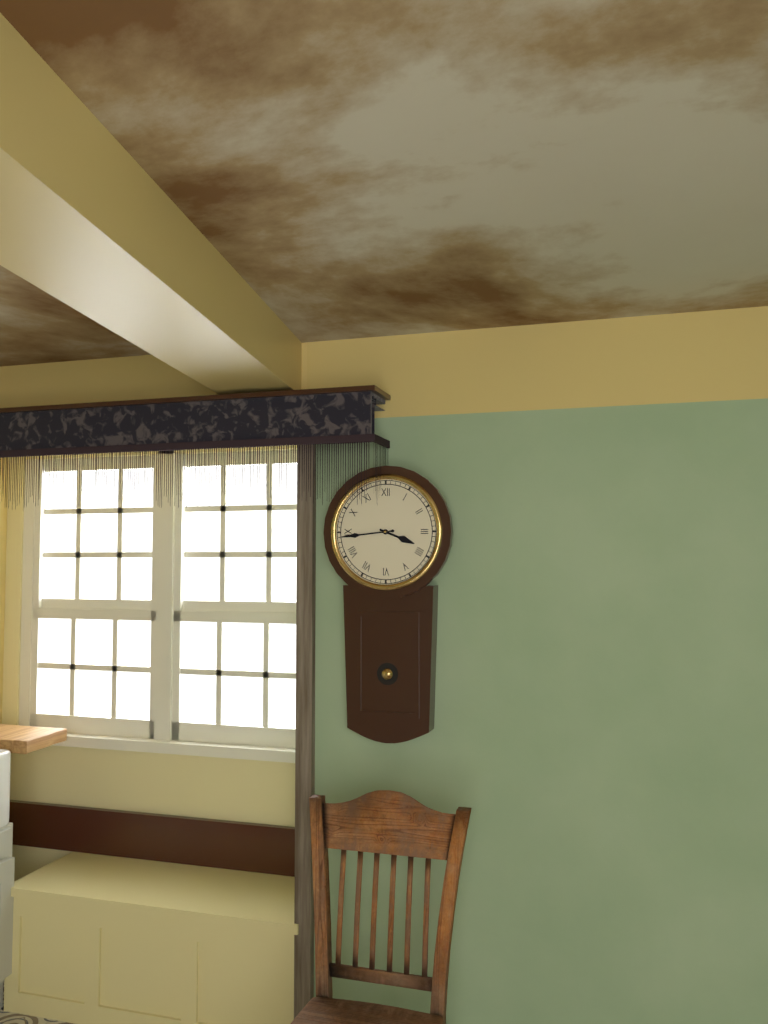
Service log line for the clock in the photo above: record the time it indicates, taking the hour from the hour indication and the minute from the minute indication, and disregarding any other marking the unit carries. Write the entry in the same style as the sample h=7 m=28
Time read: h=3 m=44
